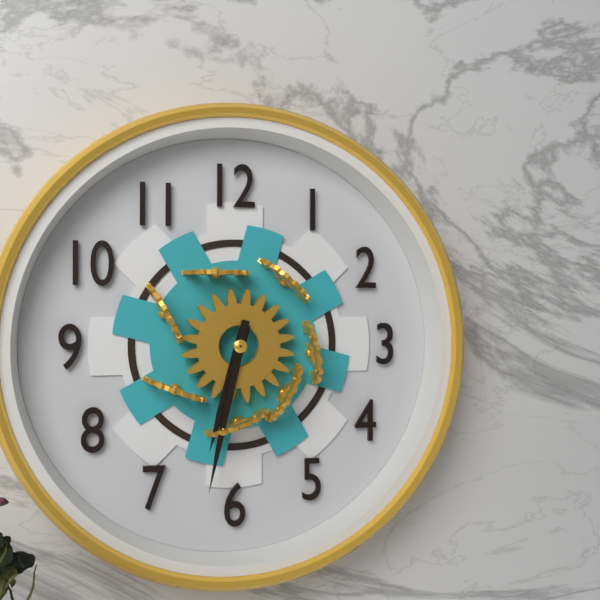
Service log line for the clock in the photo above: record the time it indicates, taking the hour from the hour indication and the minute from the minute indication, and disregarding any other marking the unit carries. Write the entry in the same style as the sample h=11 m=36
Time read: h=6 m=32
